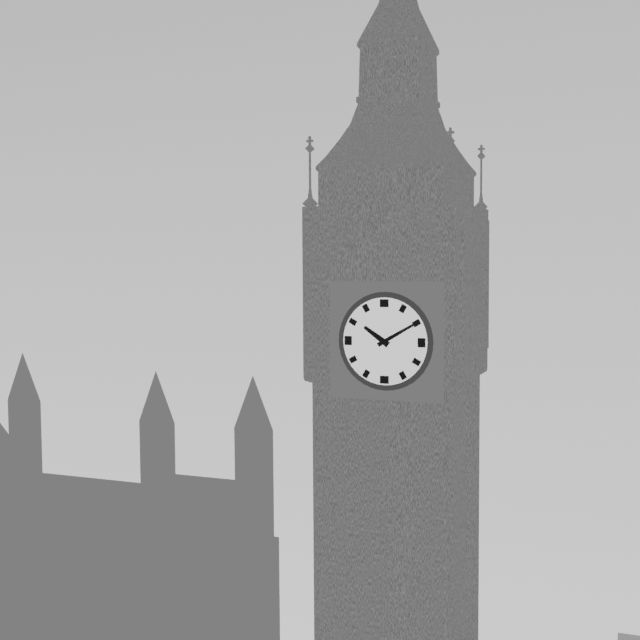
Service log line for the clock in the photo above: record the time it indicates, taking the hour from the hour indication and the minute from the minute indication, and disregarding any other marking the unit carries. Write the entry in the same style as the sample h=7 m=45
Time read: h=10 m=10
